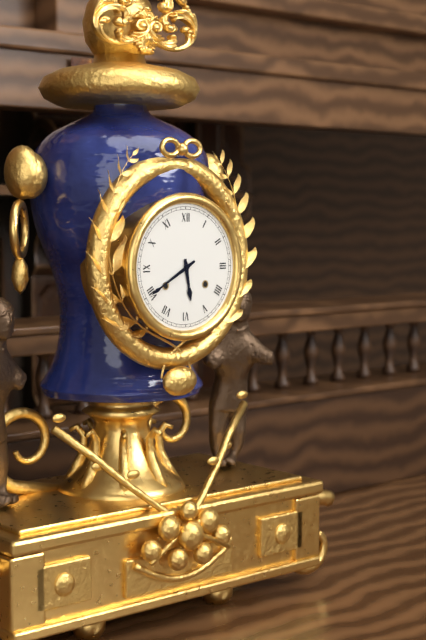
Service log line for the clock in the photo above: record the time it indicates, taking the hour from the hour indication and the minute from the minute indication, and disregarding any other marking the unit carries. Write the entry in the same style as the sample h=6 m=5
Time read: h=5 m=40
